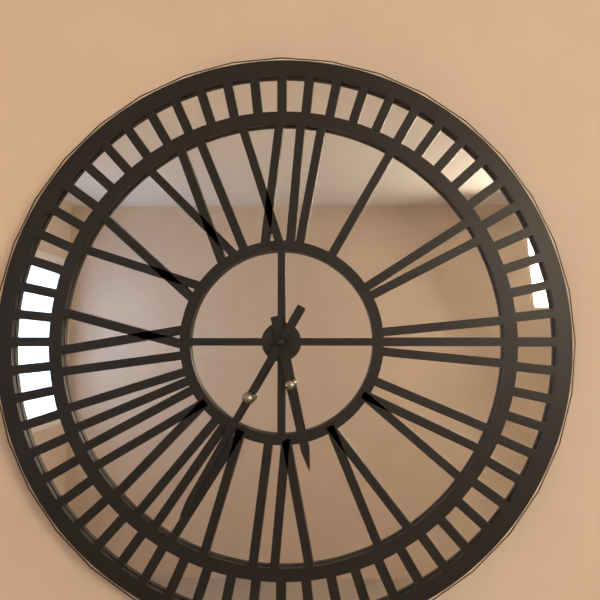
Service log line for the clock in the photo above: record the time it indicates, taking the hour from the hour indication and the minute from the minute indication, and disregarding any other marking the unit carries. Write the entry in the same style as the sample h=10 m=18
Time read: h=5 m=35
